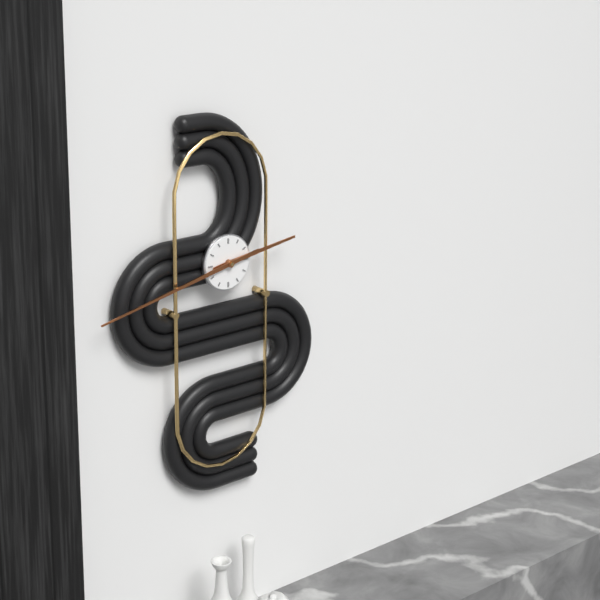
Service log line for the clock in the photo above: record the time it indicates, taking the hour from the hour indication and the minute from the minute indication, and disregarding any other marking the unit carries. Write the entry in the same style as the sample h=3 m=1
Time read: h=2 m=43
